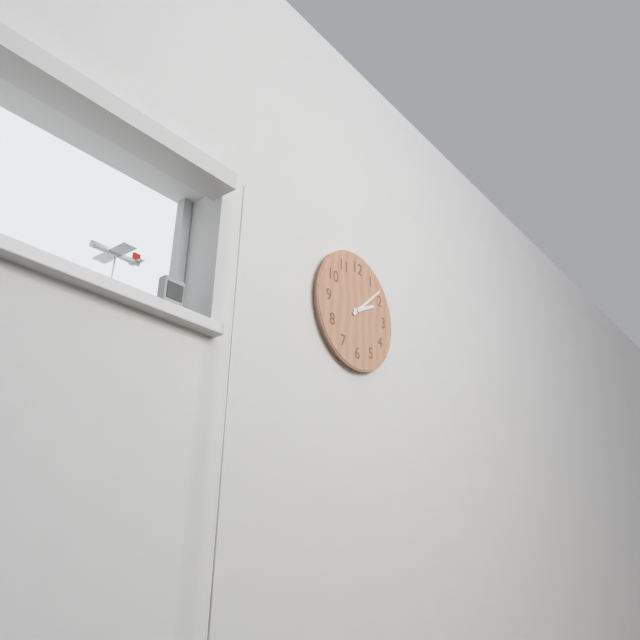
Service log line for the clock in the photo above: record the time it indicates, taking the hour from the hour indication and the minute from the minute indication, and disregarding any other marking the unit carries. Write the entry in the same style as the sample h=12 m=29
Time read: h=2 m=8
